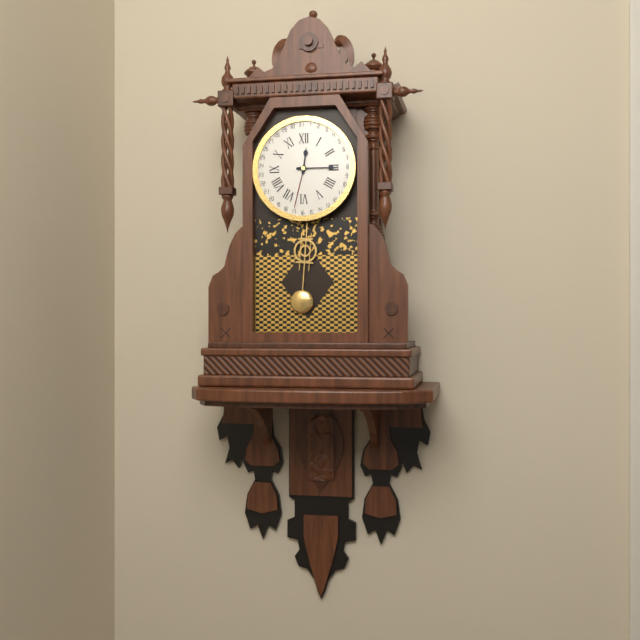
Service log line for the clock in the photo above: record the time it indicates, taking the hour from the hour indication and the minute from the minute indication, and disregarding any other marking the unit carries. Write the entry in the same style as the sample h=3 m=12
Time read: h=12 m=15
